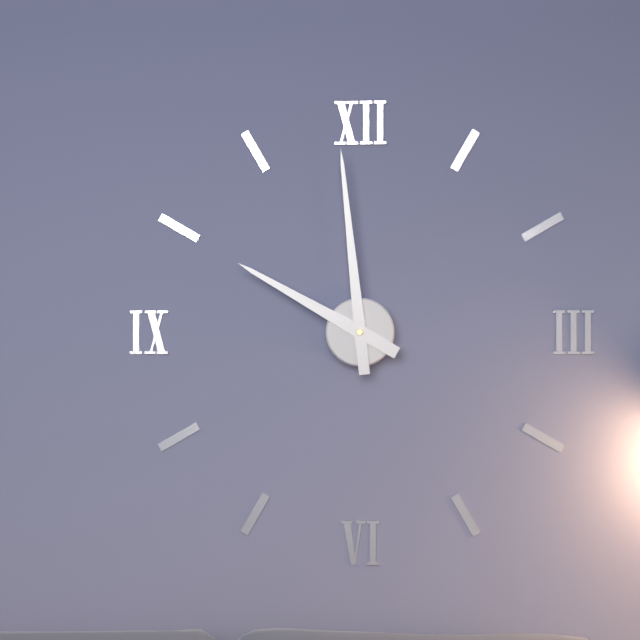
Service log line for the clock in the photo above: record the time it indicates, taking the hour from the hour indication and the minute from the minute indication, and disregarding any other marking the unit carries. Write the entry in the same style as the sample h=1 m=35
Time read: h=9 m=59
